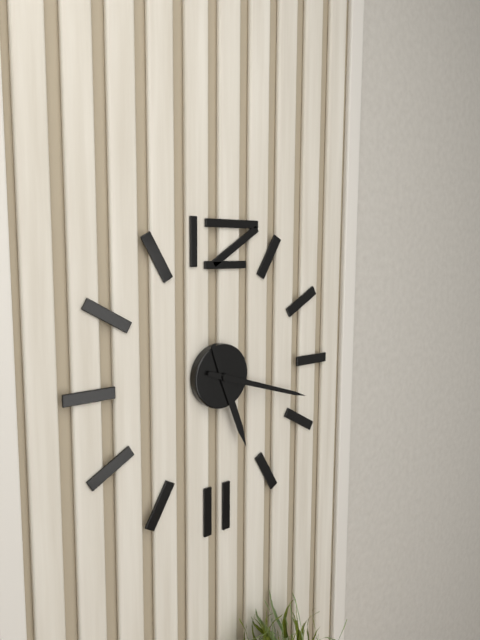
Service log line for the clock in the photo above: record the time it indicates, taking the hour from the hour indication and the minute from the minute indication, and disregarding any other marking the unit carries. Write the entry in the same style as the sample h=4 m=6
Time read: h=5 m=18
